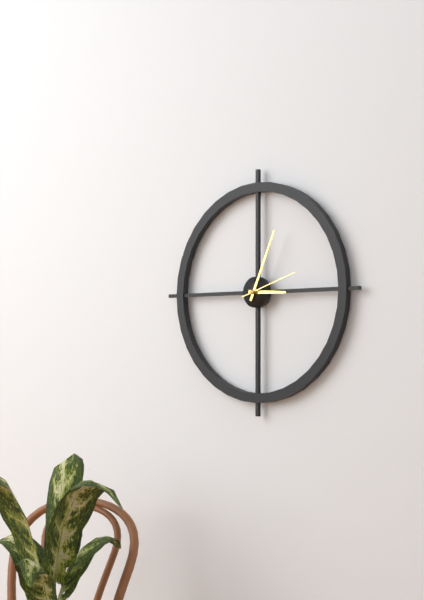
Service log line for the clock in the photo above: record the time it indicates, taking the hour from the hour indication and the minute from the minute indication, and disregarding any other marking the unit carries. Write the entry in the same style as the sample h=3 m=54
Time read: h=3 m=4
